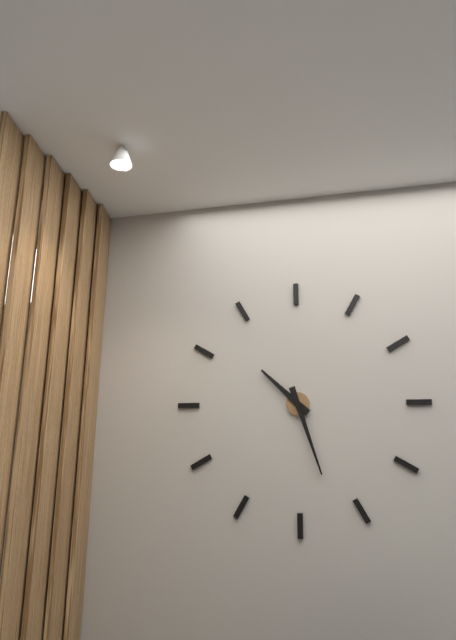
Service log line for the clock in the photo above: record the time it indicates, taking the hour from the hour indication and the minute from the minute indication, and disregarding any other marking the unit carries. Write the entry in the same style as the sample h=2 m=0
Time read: h=10 m=27
